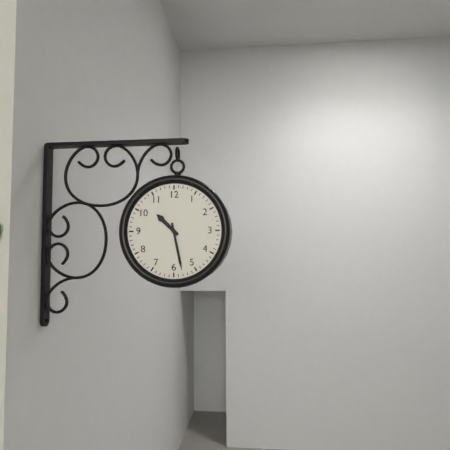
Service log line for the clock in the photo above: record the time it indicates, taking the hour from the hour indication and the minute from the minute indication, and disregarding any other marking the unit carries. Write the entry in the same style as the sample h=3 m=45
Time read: h=10 m=28
